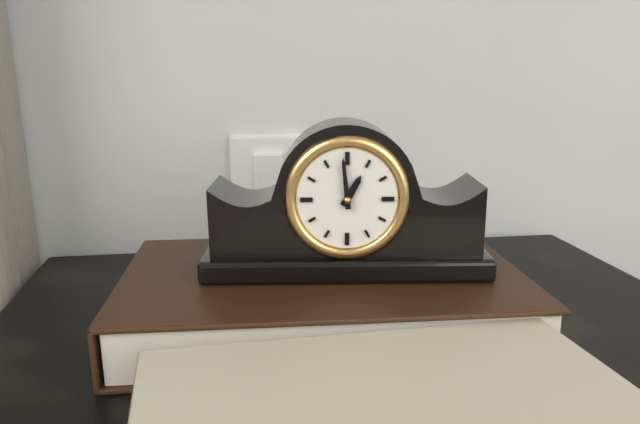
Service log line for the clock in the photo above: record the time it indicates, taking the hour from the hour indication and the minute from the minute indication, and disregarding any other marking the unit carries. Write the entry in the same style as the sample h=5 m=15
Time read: h=12 m=59
